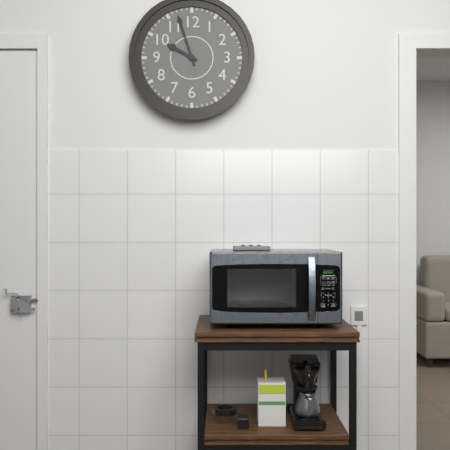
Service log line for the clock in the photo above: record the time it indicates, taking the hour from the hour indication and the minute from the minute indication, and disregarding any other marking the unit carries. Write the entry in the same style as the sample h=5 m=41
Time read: h=9 m=57
